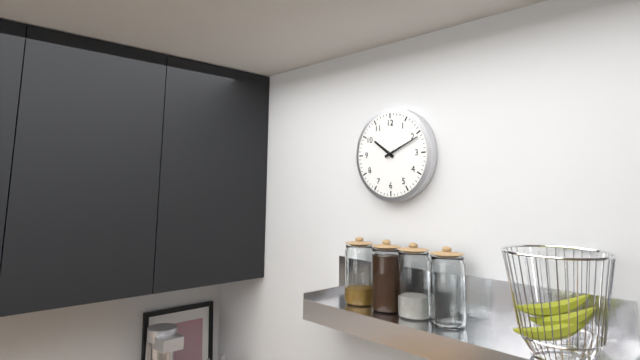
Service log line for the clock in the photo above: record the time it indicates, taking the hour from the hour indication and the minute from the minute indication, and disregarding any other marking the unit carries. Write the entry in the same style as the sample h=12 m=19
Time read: h=10 m=11
